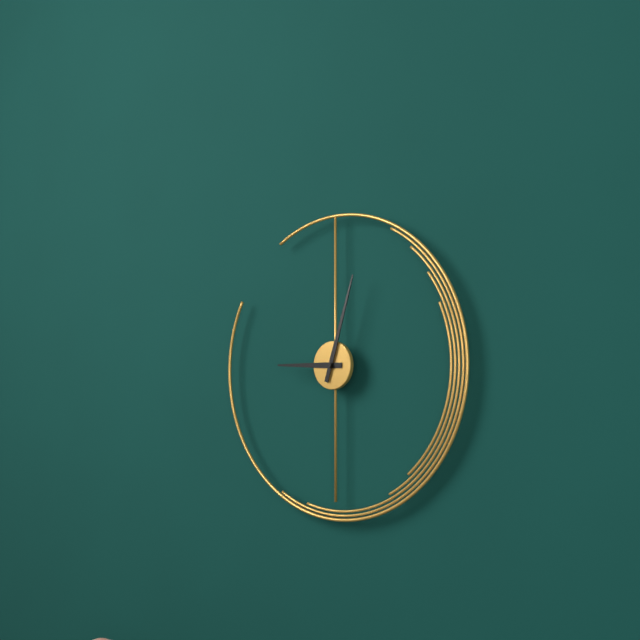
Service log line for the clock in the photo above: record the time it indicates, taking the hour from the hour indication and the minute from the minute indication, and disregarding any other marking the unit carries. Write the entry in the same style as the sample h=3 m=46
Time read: h=9 m=3
